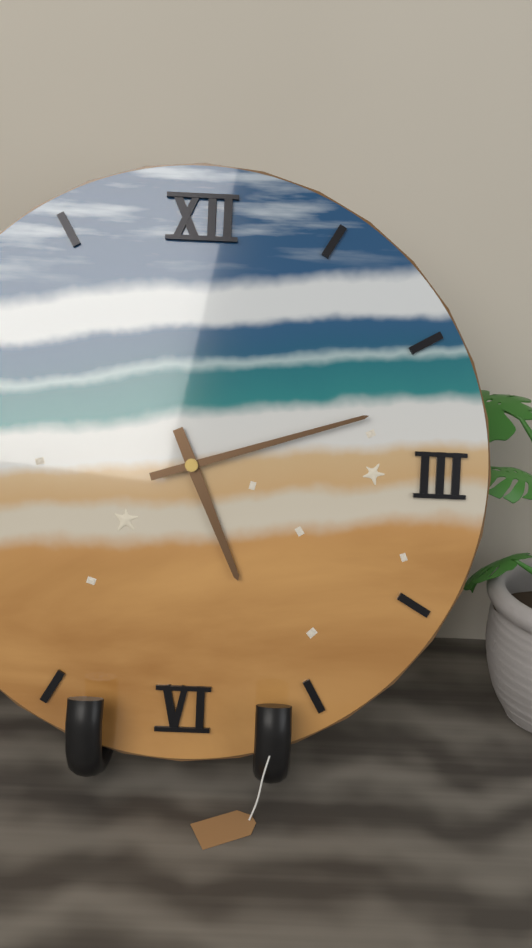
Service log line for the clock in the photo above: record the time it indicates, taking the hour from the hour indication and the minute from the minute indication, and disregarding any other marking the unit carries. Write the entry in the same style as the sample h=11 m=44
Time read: h=5 m=12
